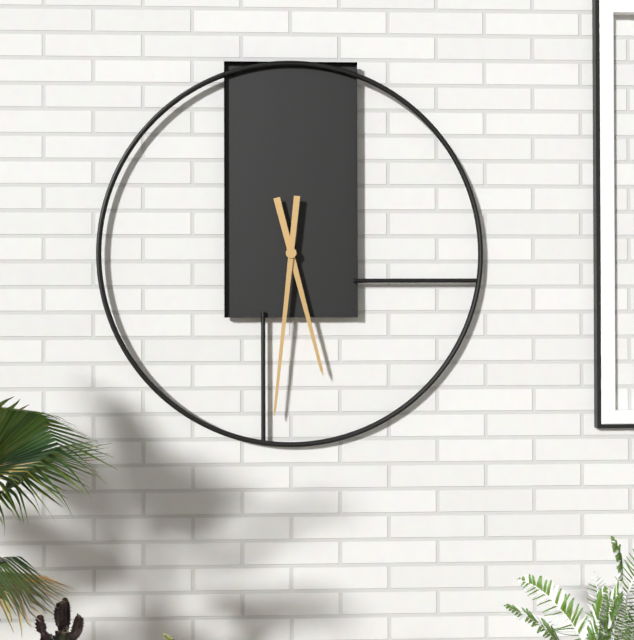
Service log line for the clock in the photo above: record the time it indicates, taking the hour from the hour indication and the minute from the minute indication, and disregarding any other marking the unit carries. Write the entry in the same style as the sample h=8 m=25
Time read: h=5 m=31
